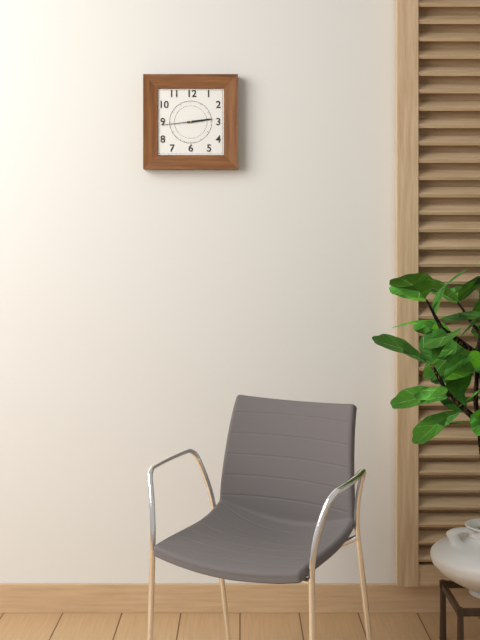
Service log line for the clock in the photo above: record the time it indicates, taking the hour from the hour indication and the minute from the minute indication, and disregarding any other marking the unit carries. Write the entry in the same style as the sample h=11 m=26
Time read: h=2 m=44
